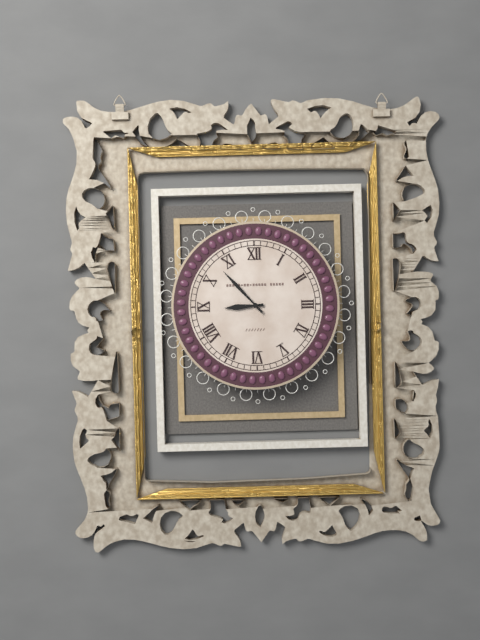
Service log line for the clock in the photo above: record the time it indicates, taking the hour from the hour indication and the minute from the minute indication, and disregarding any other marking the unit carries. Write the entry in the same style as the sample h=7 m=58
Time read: h=8 m=53
